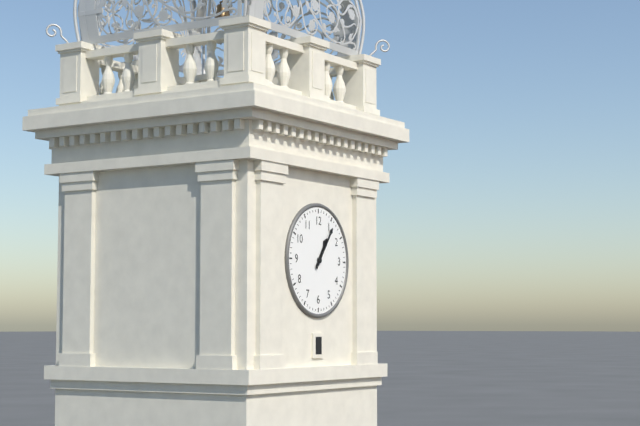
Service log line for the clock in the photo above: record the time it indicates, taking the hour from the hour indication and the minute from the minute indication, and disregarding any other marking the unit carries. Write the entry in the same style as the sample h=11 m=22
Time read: h=1 m=6
